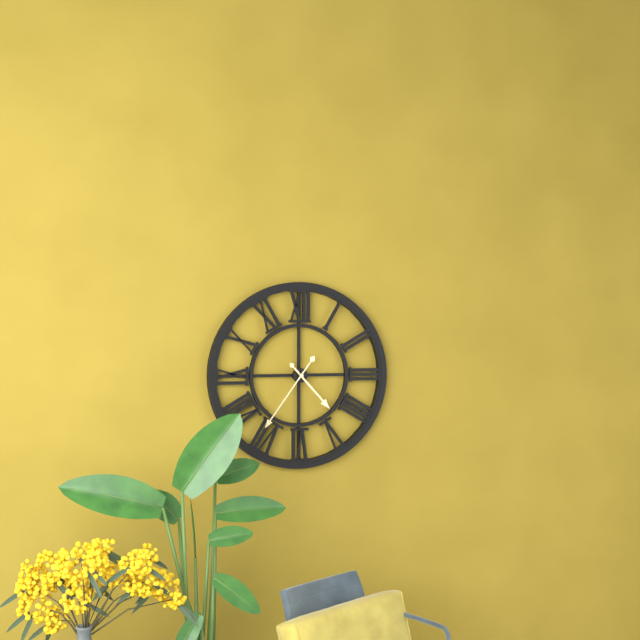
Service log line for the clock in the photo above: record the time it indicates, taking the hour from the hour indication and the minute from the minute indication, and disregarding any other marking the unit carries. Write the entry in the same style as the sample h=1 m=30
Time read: h=4 m=36
